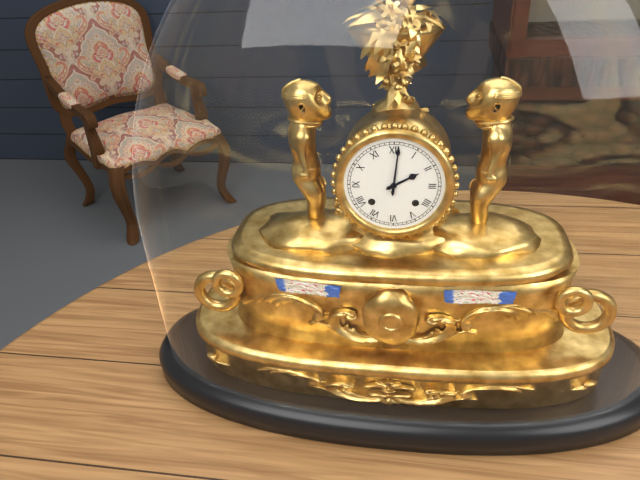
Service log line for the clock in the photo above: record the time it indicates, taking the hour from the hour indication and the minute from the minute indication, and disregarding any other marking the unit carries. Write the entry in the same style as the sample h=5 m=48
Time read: h=2 m=1
